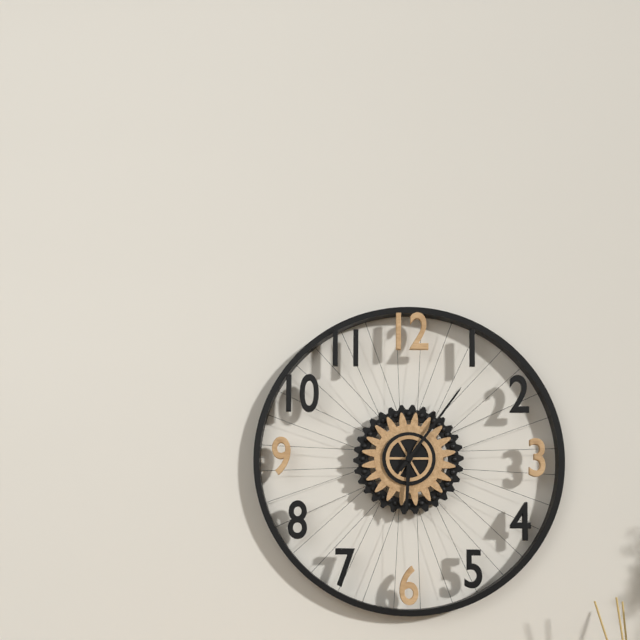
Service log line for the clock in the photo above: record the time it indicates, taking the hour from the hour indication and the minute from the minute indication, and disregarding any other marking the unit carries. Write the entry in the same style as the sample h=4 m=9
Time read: h=6 m=6
